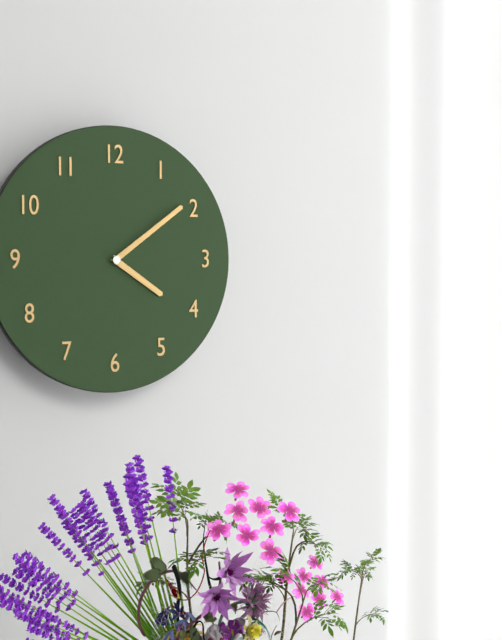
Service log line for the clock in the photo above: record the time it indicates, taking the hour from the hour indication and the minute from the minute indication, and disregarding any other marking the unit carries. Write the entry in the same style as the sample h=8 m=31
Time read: h=4 m=9
